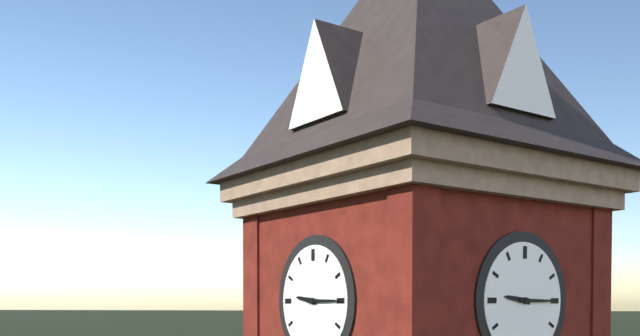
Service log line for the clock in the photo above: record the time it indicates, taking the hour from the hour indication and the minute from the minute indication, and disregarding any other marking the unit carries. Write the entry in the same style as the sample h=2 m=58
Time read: h=9 m=15
